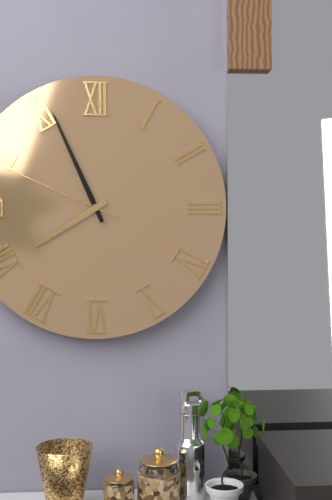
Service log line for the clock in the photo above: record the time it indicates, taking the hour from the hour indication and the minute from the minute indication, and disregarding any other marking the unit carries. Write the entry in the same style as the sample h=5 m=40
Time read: h=7 m=56
